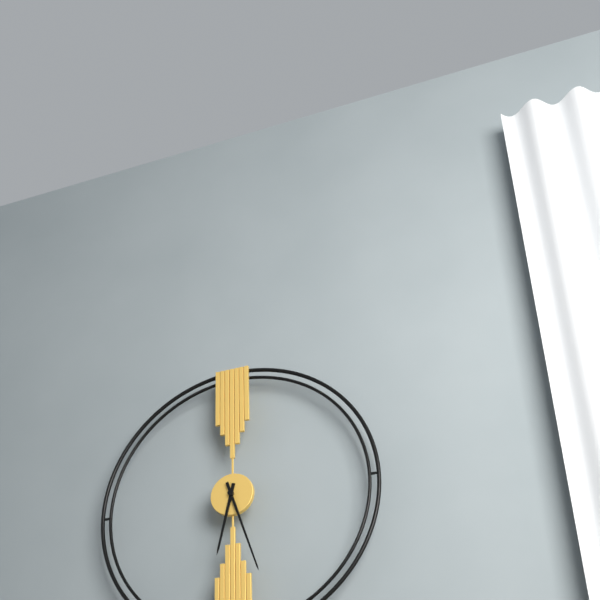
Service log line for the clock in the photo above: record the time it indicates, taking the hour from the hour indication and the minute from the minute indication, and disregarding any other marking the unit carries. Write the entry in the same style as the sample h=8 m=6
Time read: h=6 m=27
